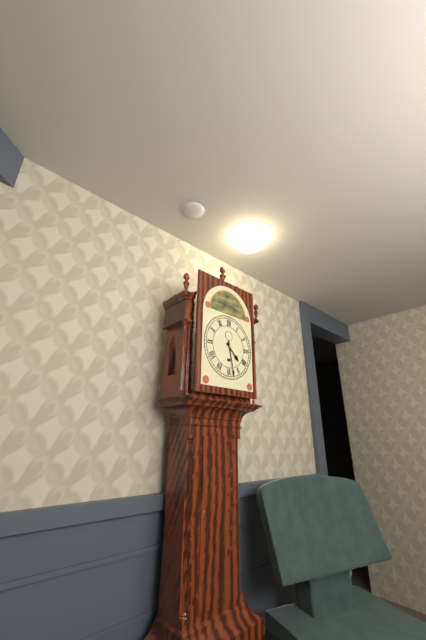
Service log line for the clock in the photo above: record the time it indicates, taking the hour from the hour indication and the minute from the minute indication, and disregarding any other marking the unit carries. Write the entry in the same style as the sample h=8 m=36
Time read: h=4 m=28
